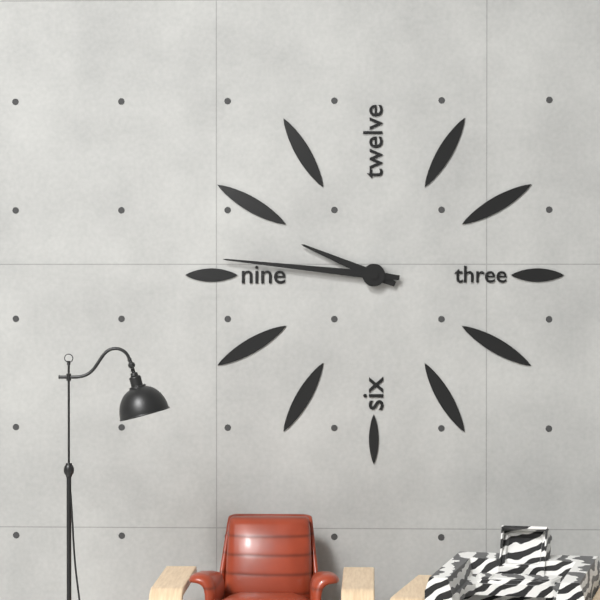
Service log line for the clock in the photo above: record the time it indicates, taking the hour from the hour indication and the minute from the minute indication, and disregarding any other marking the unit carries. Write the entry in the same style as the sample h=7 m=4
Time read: h=9 m=46
